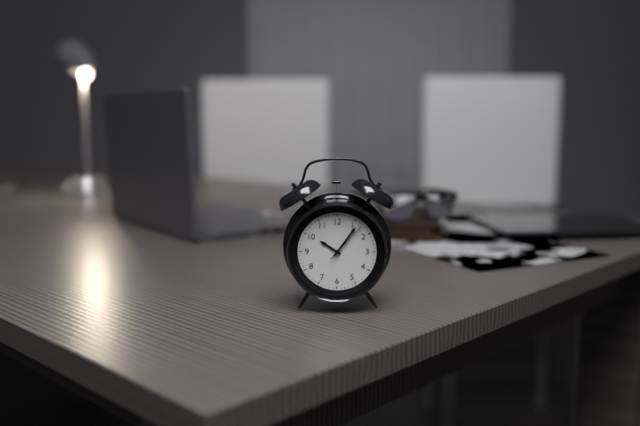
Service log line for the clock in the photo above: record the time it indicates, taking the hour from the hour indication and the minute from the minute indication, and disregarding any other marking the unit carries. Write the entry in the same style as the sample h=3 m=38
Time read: h=10 m=6
